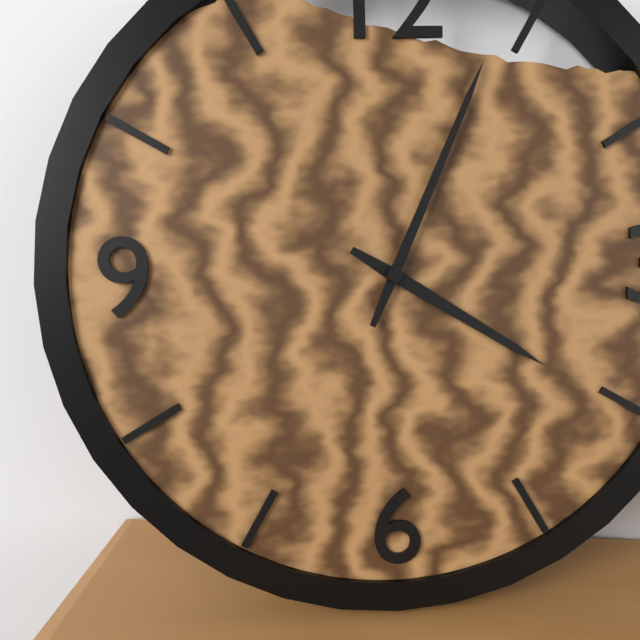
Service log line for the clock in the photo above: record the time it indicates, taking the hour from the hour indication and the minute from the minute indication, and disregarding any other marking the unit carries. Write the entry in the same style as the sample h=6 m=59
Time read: h=4 m=4
